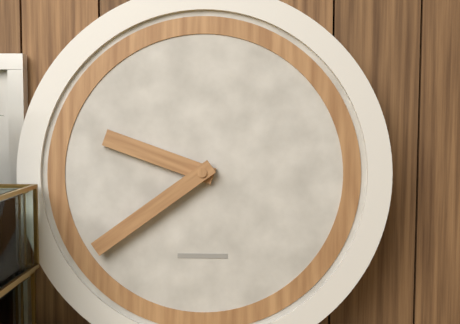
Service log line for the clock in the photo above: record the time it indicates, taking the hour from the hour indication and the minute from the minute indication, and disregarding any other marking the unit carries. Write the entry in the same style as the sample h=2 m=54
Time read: h=9 m=39
